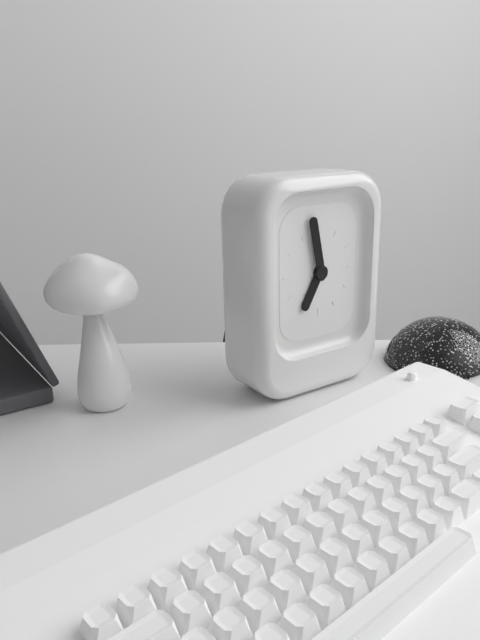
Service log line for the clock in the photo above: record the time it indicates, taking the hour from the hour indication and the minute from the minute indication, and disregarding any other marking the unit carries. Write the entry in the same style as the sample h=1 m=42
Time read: h=6 m=58
